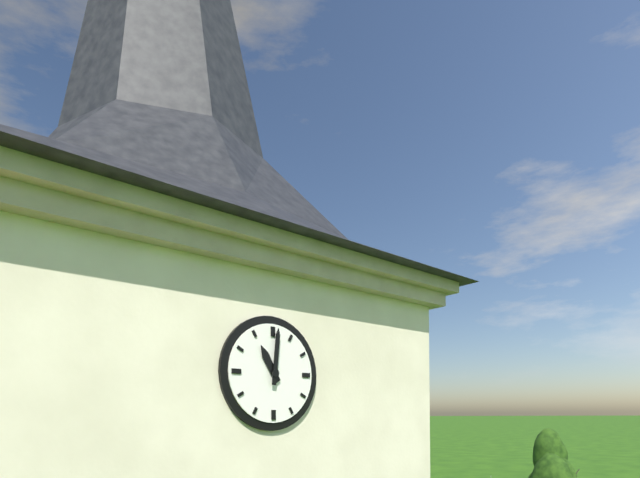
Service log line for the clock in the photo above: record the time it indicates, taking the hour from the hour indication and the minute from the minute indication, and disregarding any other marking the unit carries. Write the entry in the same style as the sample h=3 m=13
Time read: h=11 m=1
